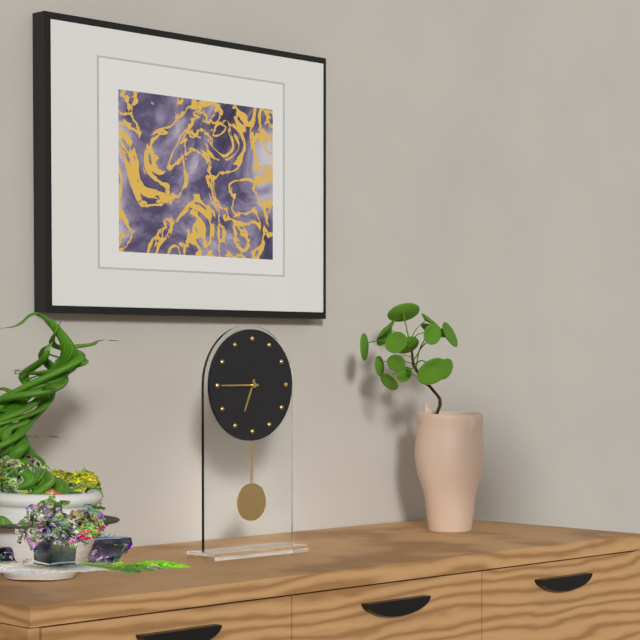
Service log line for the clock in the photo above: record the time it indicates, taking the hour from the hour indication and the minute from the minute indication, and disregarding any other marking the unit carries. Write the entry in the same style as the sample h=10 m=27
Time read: h=6 m=45
